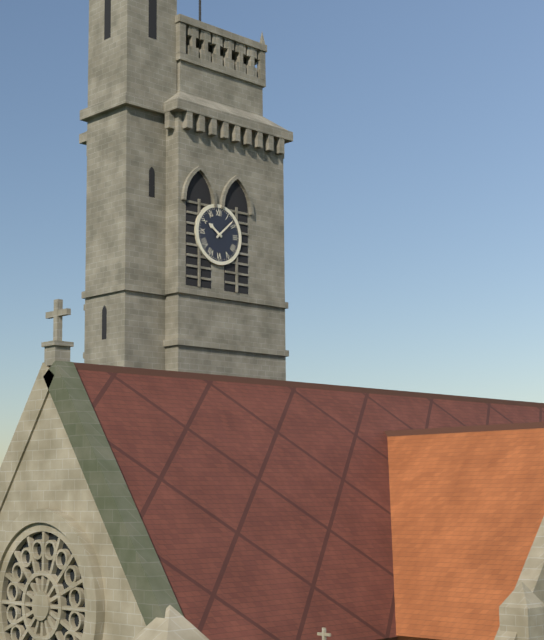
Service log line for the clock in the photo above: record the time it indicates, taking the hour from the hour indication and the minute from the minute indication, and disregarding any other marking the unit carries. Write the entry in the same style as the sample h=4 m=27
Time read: h=10 m=8
